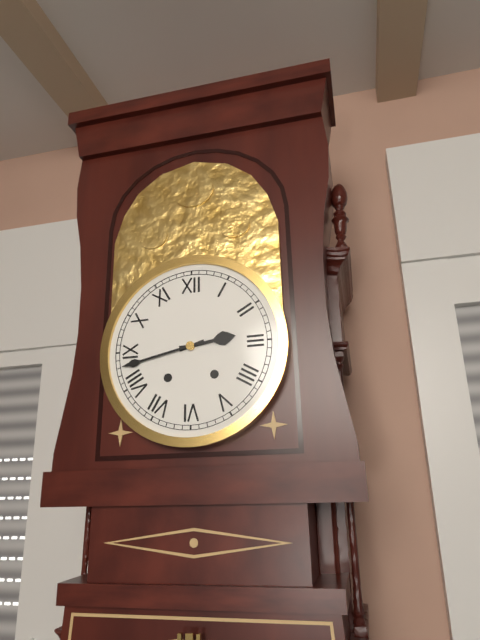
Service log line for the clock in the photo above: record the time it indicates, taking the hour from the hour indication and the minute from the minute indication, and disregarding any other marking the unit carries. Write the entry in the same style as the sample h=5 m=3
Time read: h=2 m=43
